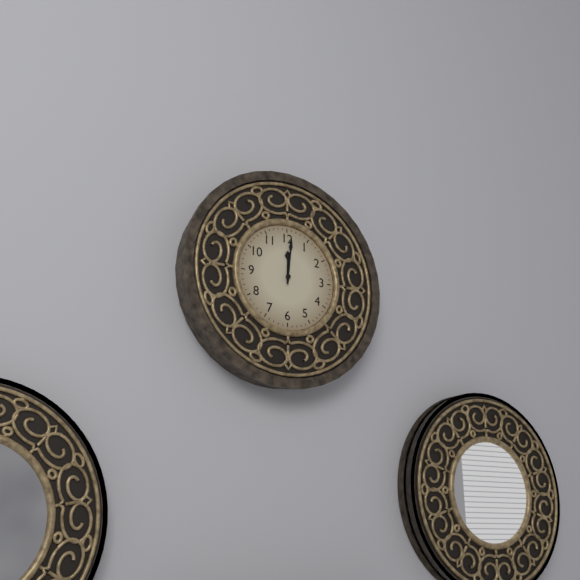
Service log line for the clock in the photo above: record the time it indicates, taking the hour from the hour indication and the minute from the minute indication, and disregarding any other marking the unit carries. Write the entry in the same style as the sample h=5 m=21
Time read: h=12 m=1
